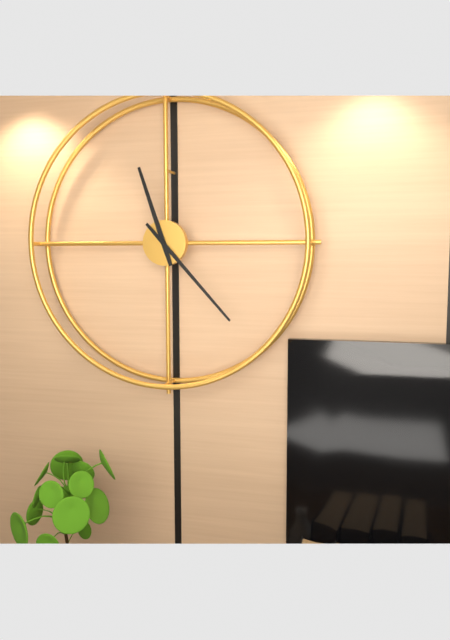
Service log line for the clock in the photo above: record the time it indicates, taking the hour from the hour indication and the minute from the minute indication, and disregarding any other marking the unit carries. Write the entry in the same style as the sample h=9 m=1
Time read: h=11 m=23
